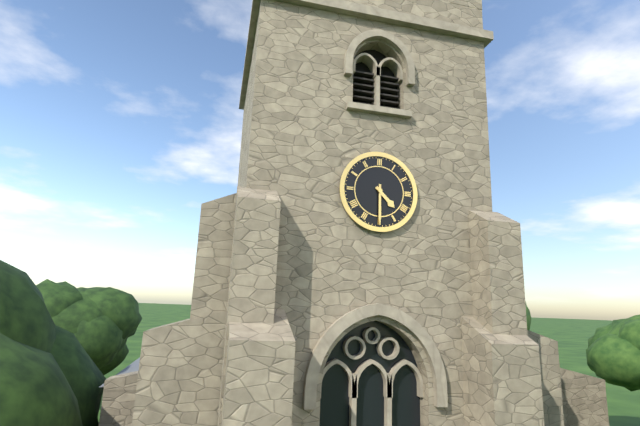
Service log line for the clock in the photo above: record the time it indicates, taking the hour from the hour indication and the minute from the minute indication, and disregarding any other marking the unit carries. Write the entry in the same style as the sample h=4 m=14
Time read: h=4 m=30
